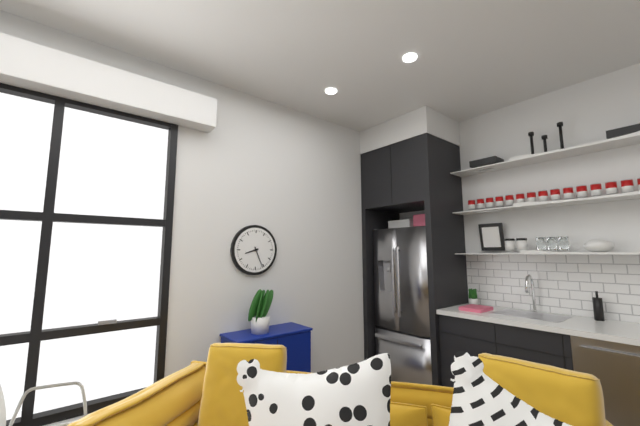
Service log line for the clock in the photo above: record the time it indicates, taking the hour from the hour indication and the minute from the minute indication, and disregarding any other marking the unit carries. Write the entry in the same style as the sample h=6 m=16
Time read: h=8 m=26
